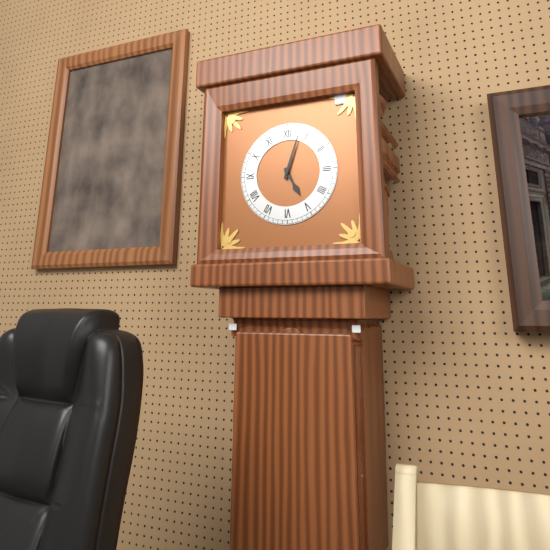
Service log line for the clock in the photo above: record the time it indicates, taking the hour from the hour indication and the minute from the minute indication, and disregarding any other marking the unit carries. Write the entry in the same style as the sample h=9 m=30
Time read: h=5 m=3
